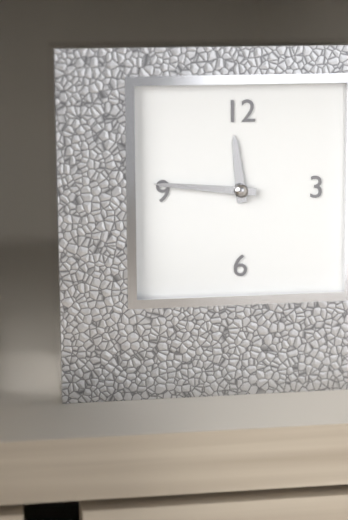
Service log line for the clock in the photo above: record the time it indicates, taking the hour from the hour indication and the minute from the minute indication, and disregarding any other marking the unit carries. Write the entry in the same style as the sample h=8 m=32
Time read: h=11 m=46
